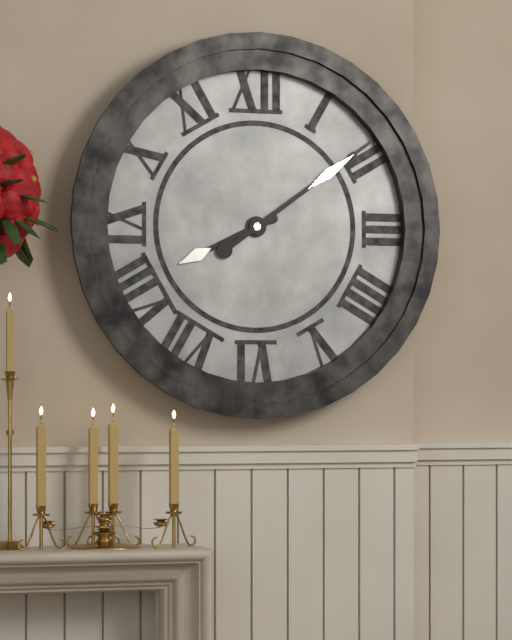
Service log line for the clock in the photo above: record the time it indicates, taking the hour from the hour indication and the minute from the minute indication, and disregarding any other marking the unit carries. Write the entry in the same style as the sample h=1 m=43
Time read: h=8 m=9
